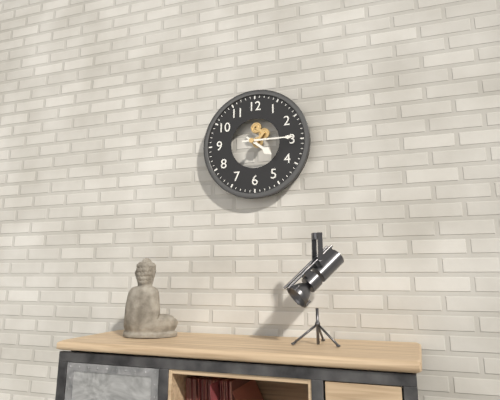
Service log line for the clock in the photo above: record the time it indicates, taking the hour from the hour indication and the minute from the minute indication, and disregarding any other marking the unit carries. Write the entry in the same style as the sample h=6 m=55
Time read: h=4 m=15
